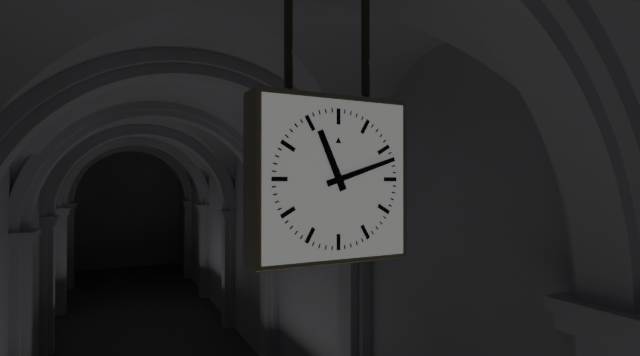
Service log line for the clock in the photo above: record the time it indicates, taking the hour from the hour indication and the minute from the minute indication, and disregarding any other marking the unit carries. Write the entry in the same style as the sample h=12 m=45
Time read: h=11 m=12
